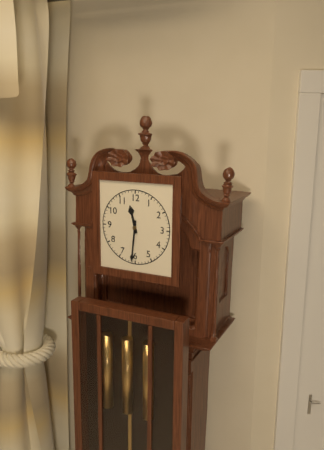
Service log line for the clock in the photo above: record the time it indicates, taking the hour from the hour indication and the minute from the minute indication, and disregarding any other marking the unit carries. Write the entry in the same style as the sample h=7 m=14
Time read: h=11 m=31
